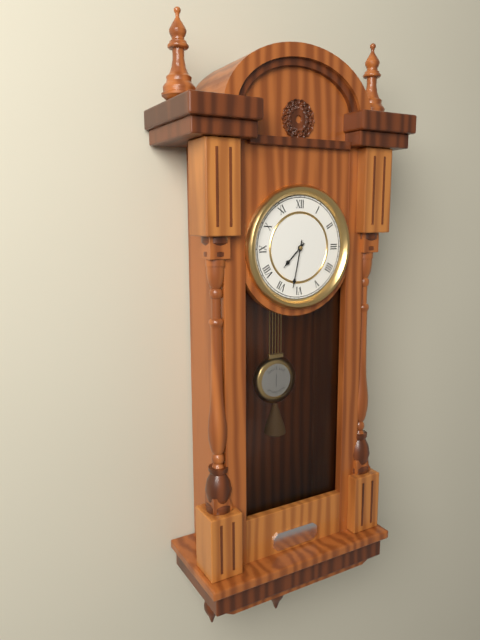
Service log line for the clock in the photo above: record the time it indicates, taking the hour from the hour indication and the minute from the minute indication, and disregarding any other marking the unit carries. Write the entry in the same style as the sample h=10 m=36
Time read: h=7 m=32
